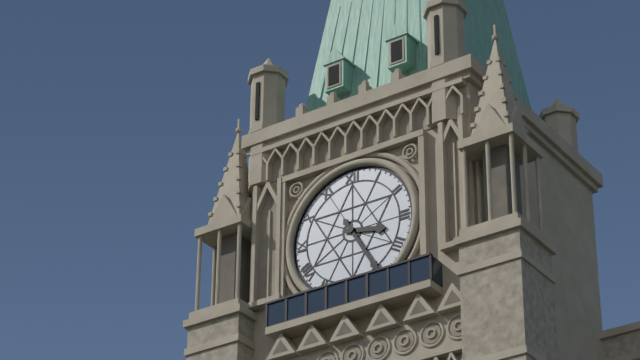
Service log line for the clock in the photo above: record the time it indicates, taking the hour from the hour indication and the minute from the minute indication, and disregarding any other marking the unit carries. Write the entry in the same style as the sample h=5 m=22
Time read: h=3 m=25
